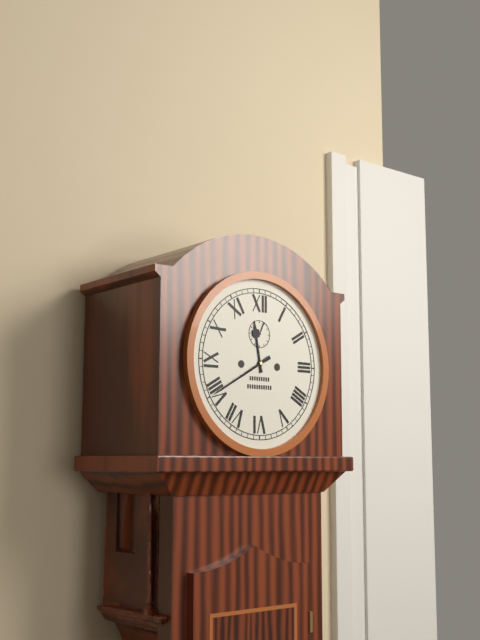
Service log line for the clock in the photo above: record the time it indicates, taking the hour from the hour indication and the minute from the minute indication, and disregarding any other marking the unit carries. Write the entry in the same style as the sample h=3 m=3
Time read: h=11 m=40
